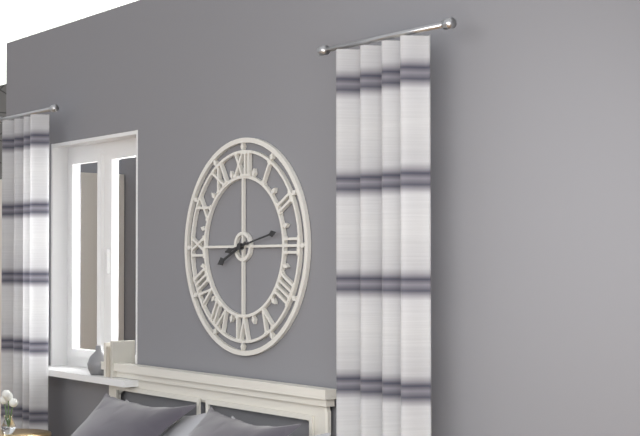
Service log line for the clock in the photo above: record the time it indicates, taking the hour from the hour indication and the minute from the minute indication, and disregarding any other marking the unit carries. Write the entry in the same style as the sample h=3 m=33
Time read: h=8 m=13
